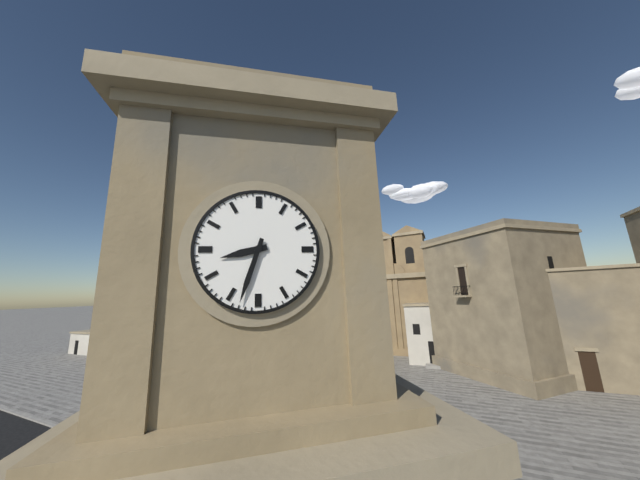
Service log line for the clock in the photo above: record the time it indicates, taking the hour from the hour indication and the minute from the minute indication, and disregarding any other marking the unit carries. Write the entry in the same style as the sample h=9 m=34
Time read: h=8 m=33
